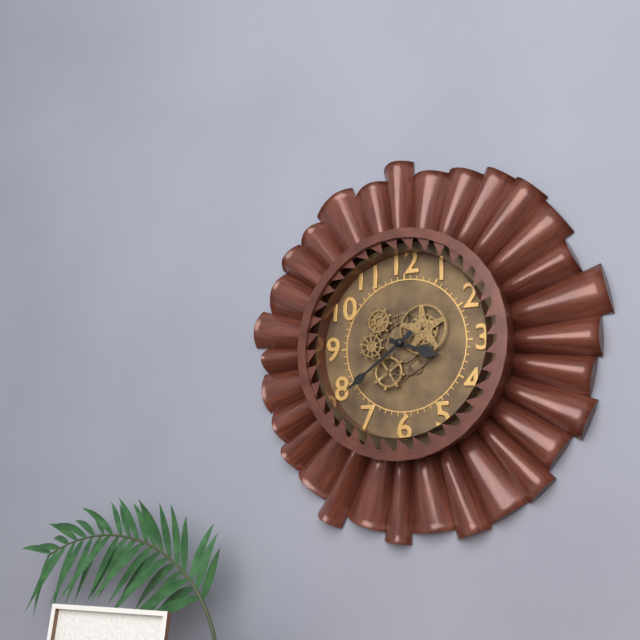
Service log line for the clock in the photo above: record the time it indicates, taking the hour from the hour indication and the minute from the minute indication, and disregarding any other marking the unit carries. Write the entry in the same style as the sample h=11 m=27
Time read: h=3 m=39
